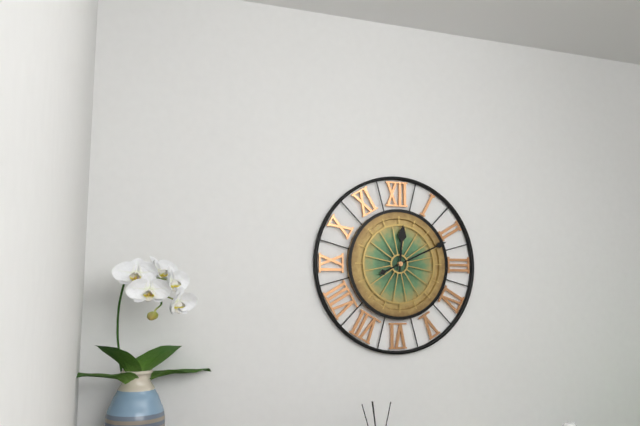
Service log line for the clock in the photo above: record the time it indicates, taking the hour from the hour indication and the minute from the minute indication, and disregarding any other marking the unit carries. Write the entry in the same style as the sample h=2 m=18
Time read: h=12 m=11
